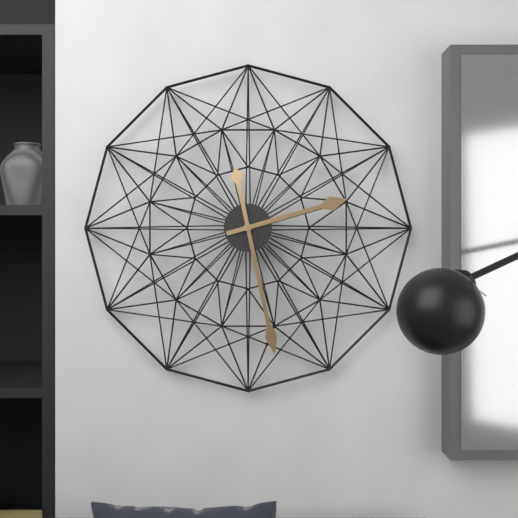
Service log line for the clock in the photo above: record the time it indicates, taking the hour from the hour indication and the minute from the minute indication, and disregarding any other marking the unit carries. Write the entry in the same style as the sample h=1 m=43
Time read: h=2 m=28
